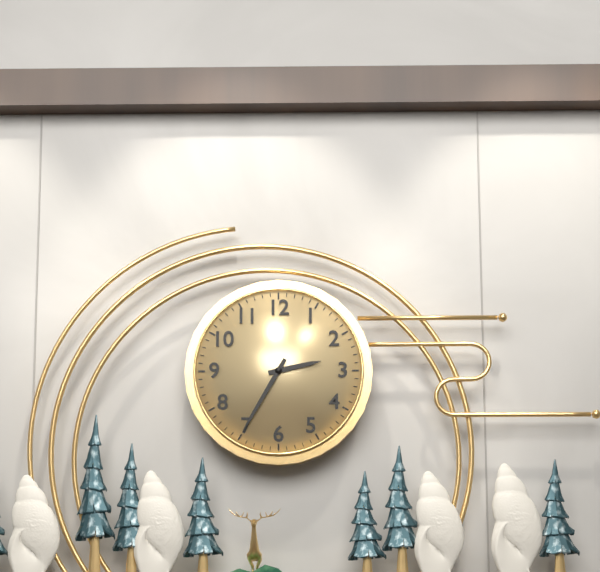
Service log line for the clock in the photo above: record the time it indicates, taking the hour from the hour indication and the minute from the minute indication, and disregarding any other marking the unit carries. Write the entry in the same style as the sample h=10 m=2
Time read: h=2 m=35
